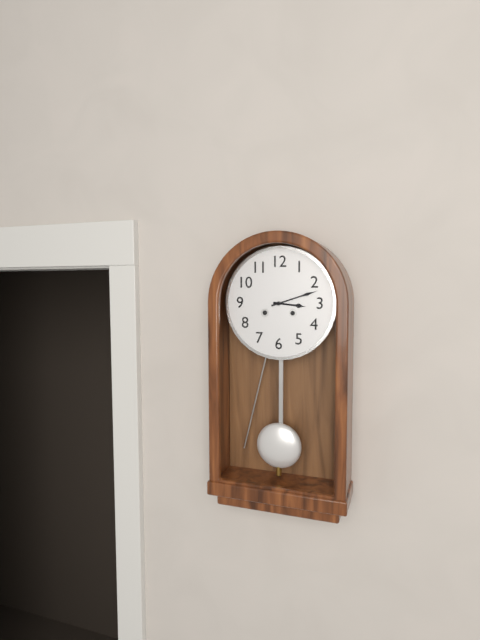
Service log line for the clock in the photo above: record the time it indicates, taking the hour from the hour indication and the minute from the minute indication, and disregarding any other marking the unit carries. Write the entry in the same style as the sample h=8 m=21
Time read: h=3 m=12
